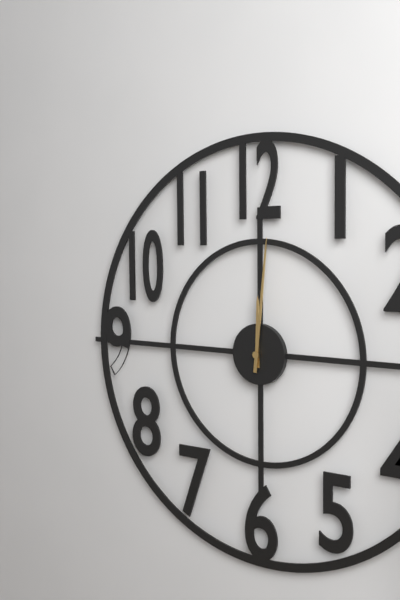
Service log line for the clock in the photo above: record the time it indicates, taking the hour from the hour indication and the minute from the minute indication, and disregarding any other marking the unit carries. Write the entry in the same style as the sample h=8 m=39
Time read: h=12 m=1
